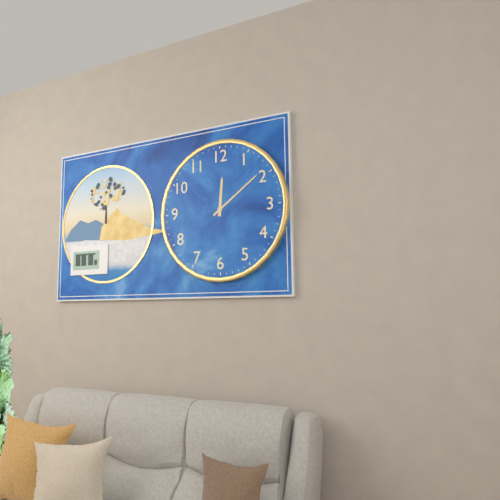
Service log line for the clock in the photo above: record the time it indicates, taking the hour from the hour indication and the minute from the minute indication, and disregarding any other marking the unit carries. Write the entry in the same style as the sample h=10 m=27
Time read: h=12 m=9
